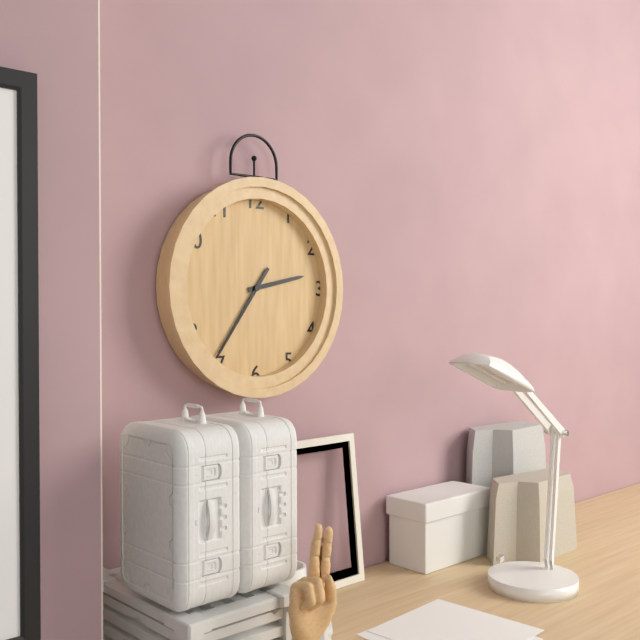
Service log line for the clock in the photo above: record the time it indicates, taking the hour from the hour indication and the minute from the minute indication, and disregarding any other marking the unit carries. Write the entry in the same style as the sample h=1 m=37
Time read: h=2 m=36
